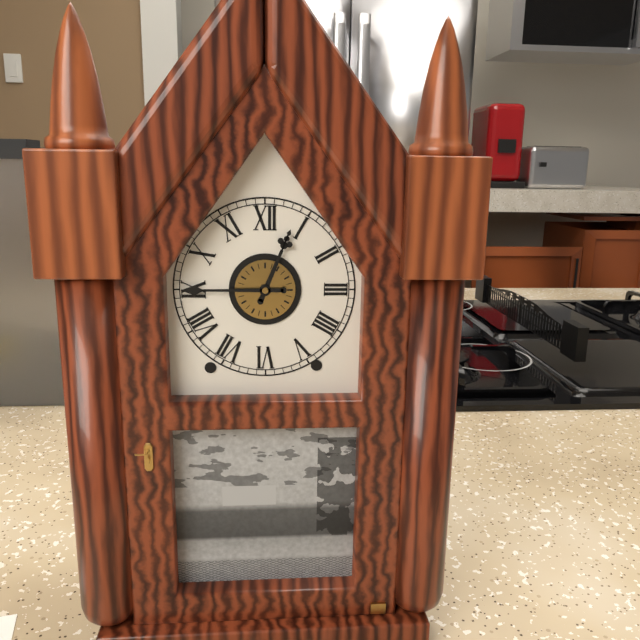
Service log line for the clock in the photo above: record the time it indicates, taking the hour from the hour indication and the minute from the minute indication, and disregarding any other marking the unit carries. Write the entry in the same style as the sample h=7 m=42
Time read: h=12 m=45
